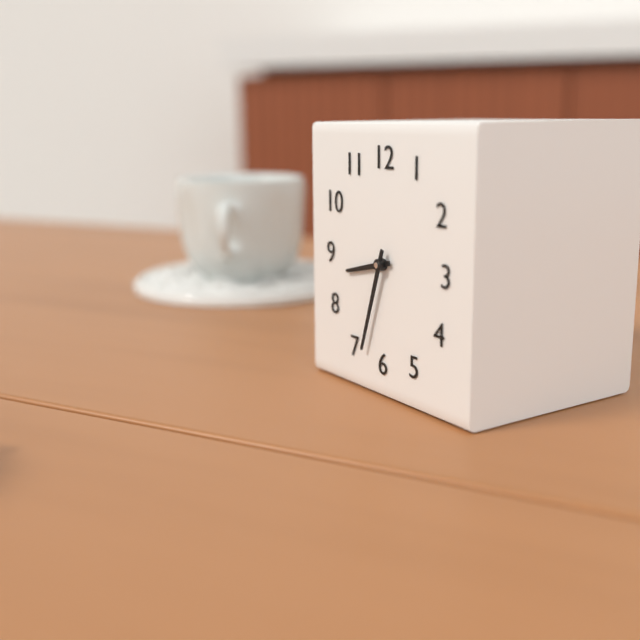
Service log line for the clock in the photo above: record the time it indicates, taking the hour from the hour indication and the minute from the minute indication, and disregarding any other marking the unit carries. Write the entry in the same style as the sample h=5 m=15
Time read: h=8 m=33
